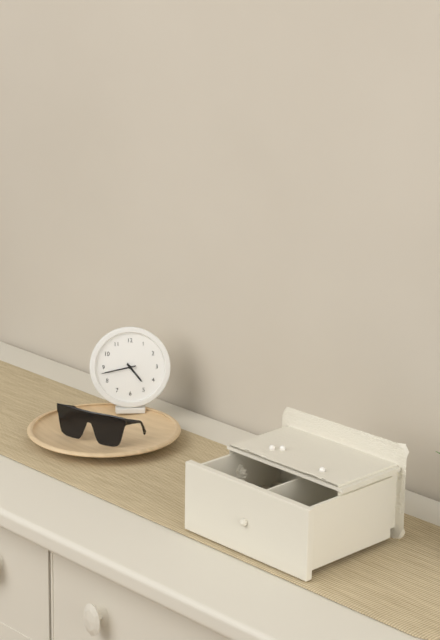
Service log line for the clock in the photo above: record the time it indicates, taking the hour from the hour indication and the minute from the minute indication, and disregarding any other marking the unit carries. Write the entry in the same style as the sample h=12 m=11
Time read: h=4 m=43
